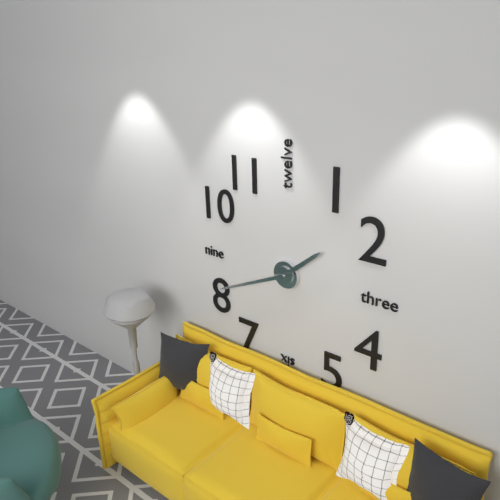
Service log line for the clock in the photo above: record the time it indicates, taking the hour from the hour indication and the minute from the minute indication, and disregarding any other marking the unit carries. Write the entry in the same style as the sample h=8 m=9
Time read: h=1 m=41
